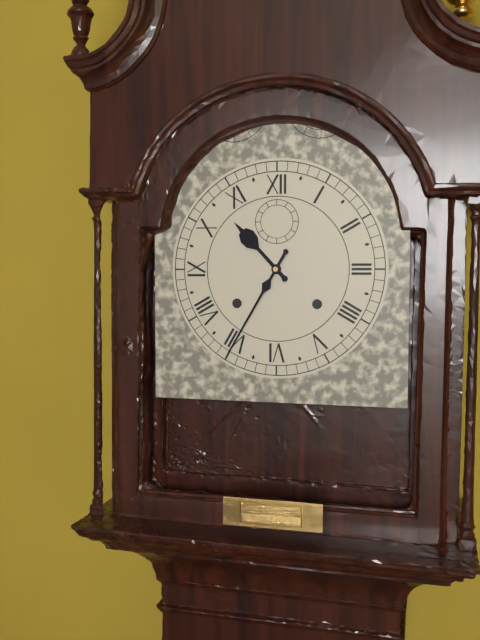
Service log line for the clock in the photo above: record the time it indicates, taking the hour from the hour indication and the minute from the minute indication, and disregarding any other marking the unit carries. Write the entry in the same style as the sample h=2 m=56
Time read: h=10 m=35
